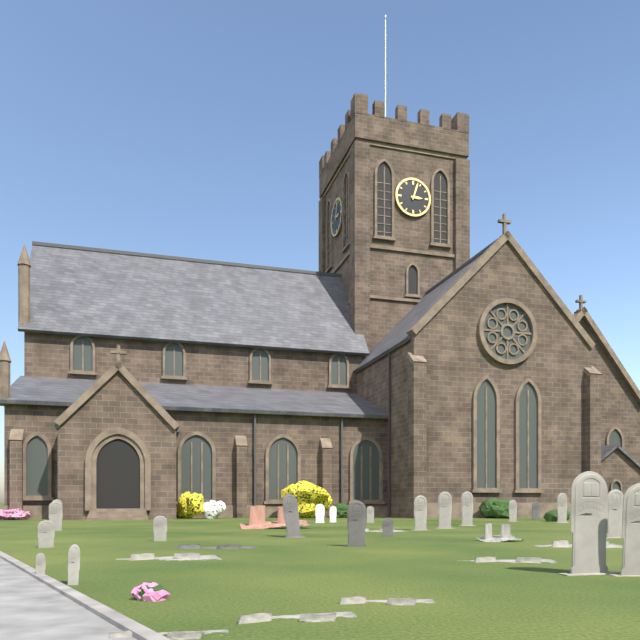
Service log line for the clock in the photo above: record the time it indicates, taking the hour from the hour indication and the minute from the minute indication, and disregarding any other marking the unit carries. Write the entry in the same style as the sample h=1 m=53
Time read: h=3 m=3
